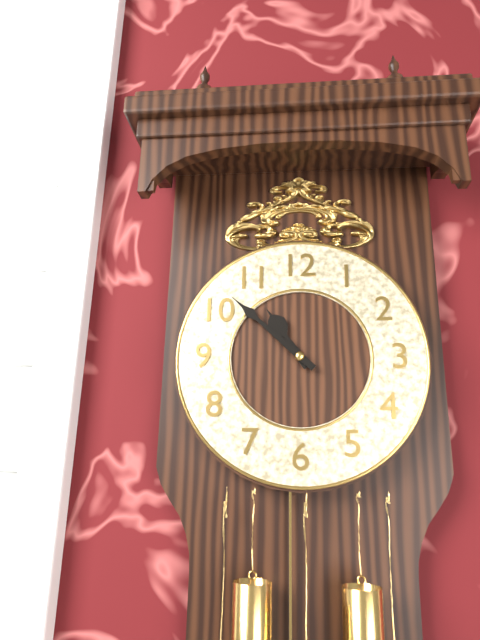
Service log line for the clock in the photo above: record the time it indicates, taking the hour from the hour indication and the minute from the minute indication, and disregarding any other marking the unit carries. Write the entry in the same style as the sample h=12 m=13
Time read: h=10 m=52
